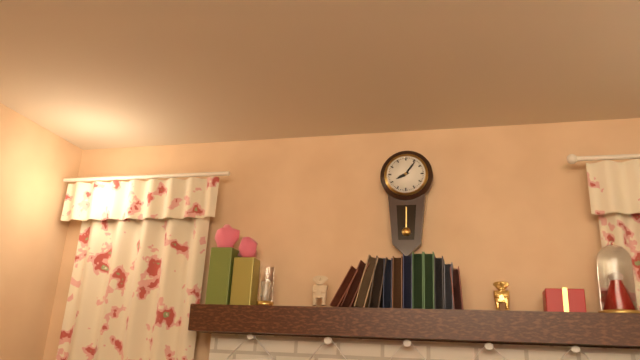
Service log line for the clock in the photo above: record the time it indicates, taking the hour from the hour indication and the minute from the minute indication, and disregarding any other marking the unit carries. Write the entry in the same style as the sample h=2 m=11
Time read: h=8 m=6
